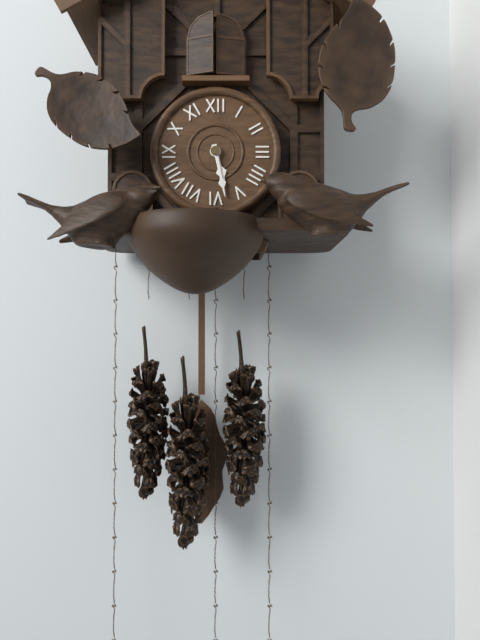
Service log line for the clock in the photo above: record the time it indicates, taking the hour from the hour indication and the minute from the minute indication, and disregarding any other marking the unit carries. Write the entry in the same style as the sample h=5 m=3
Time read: h=5 m=28
